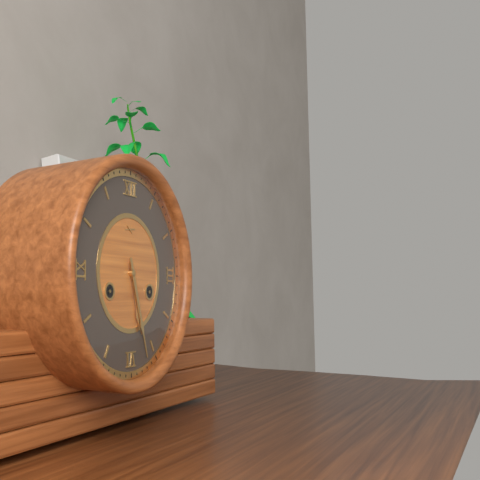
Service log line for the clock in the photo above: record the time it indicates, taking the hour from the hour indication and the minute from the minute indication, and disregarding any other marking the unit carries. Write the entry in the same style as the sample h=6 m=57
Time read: h=5 m=27
